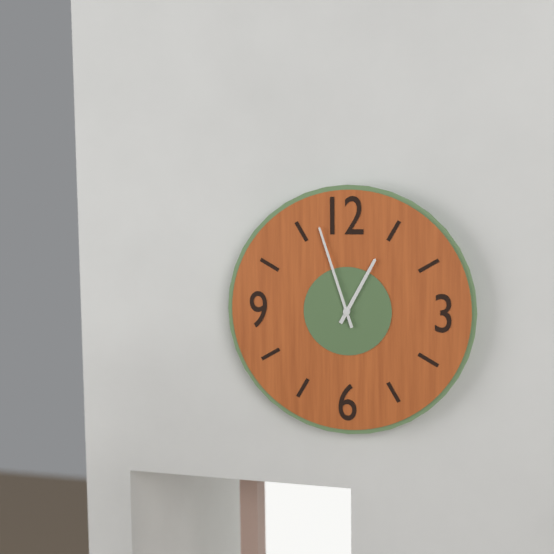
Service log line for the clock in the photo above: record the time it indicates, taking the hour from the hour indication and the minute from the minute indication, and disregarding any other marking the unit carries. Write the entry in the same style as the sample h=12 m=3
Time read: h=12 m=57
